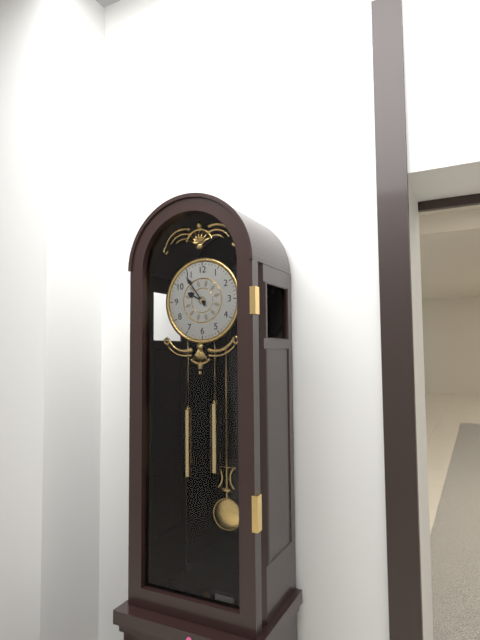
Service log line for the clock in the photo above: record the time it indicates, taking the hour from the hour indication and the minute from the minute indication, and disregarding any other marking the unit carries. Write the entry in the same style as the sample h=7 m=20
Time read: h=9 m=54
